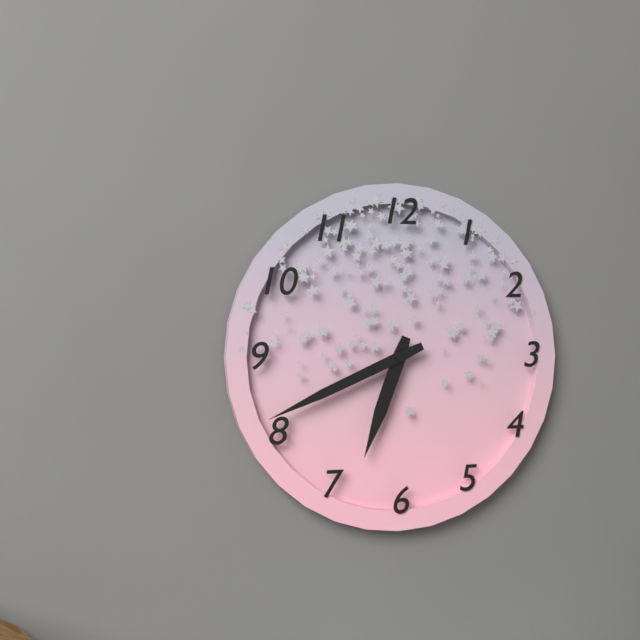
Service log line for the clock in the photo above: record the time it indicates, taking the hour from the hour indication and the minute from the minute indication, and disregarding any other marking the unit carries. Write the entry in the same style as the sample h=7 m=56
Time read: h=6 m=41
